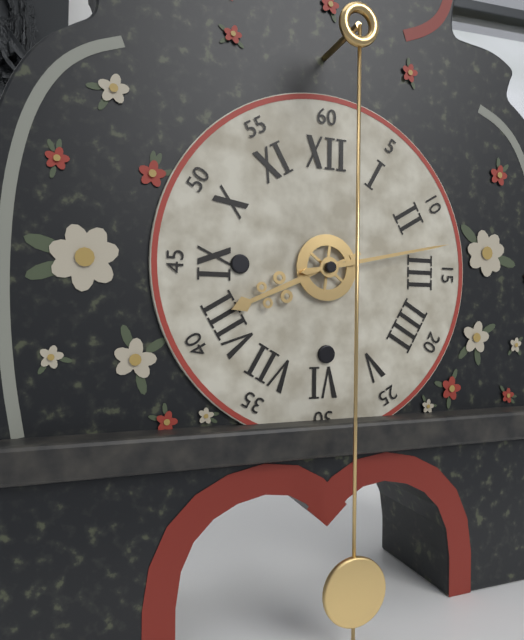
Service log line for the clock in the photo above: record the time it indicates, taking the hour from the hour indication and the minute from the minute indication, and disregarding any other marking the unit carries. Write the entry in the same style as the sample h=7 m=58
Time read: h=8 m=13
